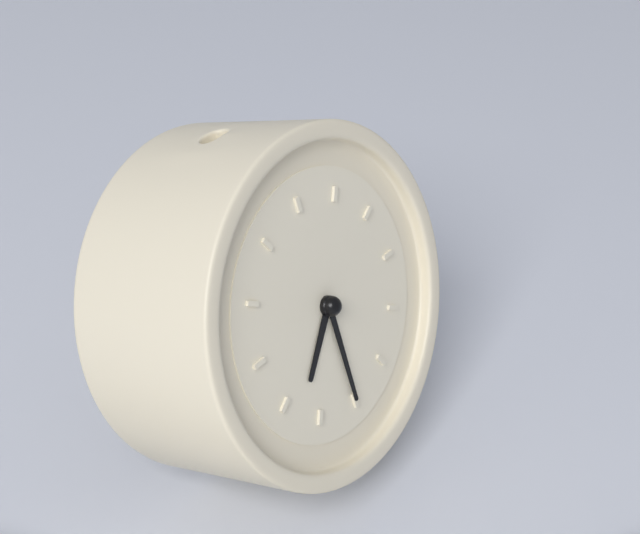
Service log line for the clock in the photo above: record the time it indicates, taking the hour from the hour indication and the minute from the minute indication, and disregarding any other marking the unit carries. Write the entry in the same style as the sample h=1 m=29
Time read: h=7 m=30
